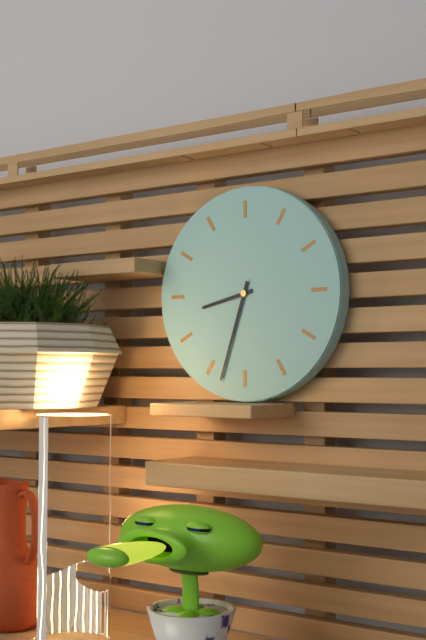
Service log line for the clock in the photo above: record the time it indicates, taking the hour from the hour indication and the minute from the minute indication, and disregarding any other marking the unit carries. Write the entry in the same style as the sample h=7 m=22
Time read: h=8 m=33
